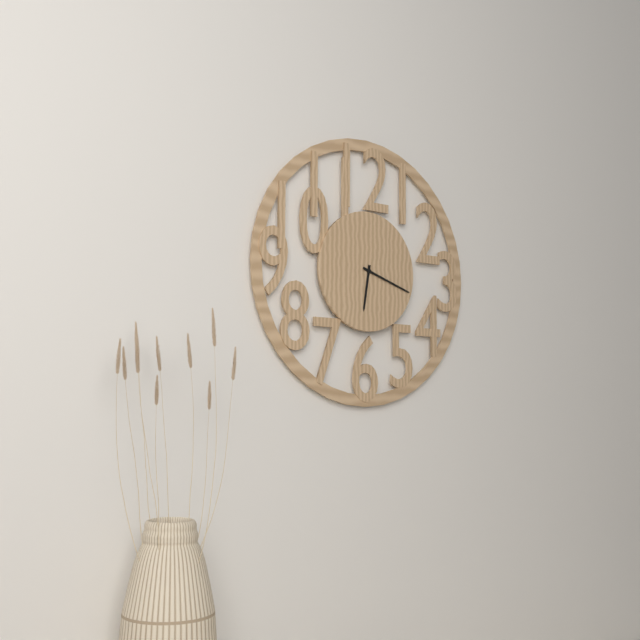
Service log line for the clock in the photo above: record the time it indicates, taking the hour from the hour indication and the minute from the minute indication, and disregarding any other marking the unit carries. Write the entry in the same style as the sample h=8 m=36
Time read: h=6 m=18
